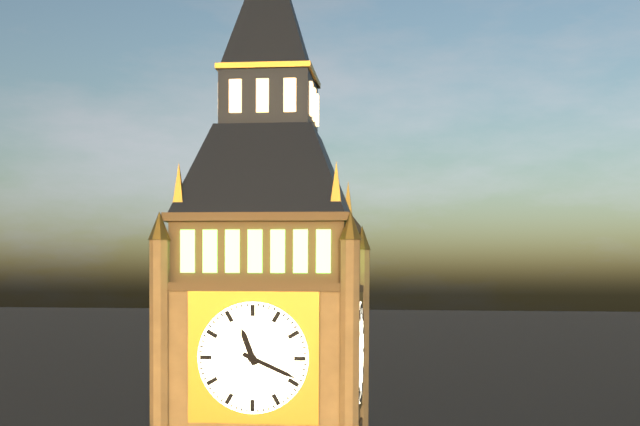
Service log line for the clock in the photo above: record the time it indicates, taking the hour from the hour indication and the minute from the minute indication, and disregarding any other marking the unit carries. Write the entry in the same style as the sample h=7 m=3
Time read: h=11 m=19
